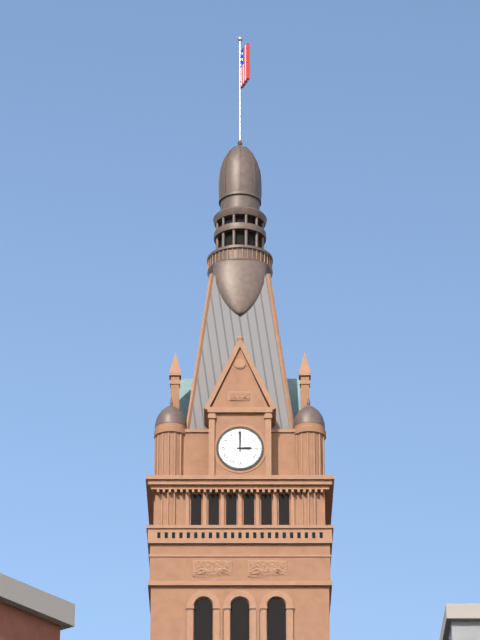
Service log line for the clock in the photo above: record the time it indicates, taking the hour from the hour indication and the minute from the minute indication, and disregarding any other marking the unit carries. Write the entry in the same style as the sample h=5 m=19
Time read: h=3 m=0
